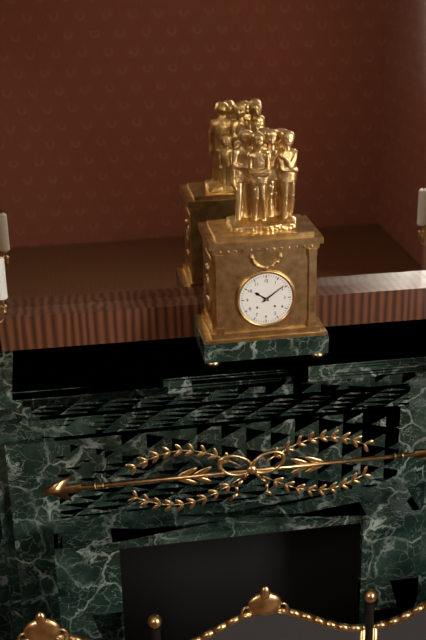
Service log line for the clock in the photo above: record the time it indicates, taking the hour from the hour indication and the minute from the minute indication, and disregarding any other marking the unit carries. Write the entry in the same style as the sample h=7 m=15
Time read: h=10 m=9
